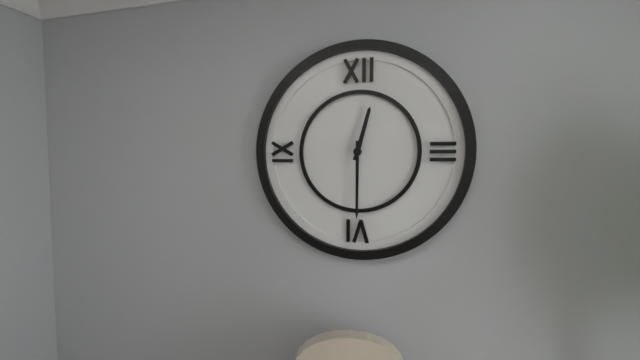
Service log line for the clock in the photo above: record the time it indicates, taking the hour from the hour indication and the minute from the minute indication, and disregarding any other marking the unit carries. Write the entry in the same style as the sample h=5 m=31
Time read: h=12 m=30
